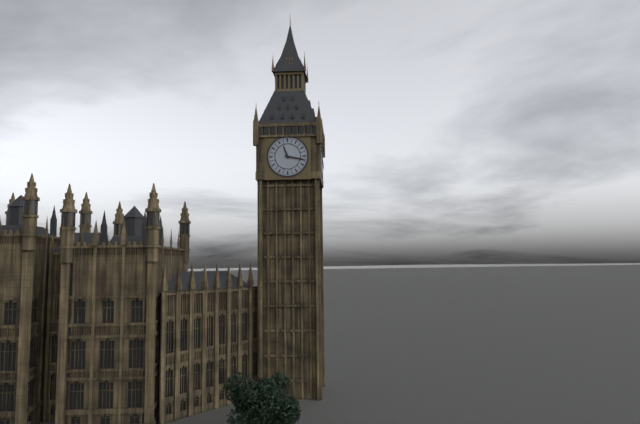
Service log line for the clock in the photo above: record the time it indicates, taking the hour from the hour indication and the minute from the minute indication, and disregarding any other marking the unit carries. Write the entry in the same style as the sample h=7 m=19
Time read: h=11 m=17
